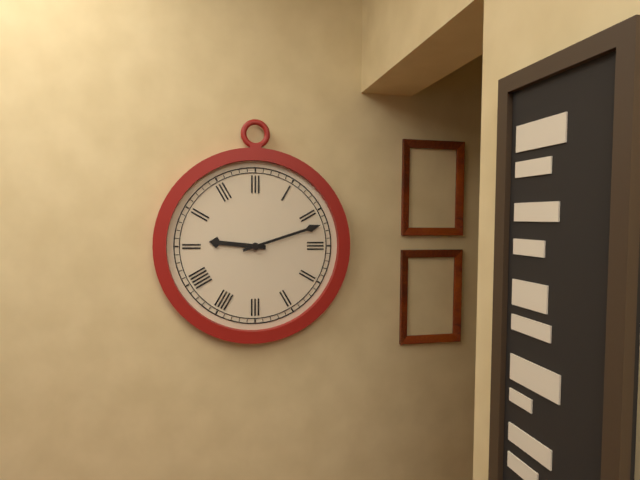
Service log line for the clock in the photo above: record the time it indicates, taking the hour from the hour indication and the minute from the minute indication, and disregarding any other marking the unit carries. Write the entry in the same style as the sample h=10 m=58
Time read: h=9 m=12
